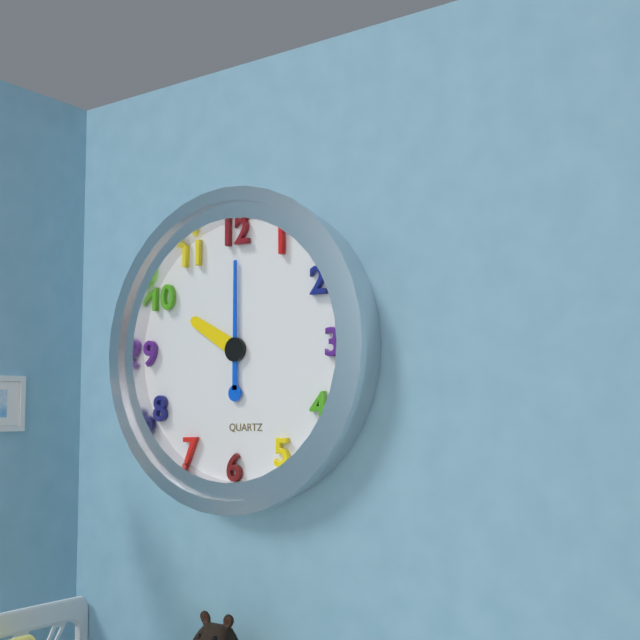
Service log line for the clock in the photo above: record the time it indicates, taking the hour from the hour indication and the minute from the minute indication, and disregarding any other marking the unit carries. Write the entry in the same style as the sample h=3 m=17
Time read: h=10 m=0
